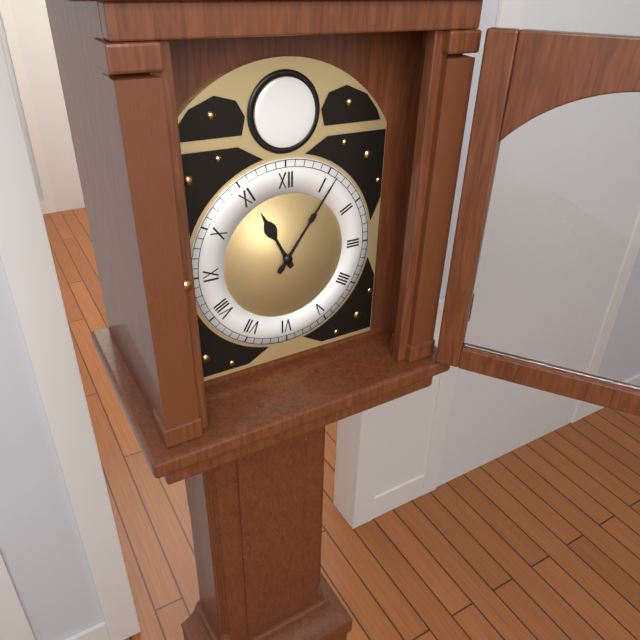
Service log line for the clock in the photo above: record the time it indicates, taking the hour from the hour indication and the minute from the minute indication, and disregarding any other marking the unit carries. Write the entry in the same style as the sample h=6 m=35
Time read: h=11 m=6
